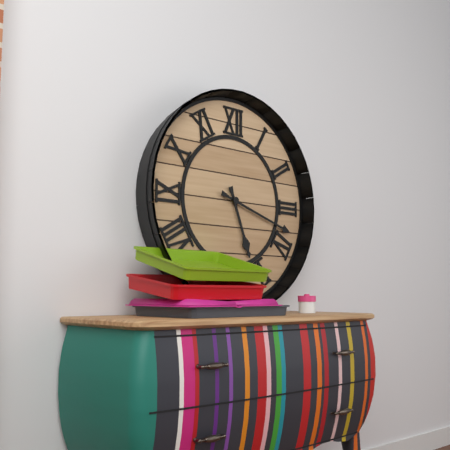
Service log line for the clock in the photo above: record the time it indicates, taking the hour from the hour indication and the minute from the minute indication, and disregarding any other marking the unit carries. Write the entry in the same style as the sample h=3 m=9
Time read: h=5 m=18
